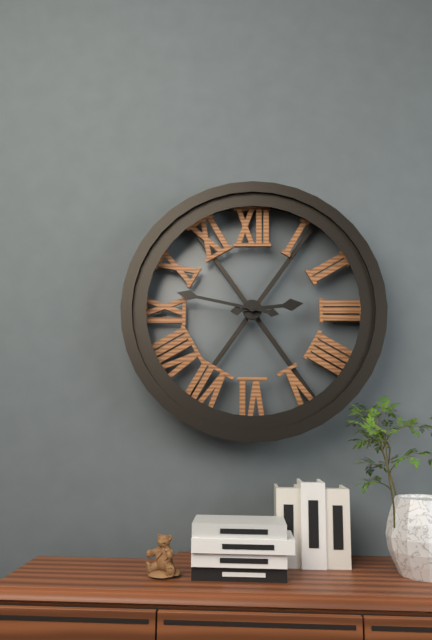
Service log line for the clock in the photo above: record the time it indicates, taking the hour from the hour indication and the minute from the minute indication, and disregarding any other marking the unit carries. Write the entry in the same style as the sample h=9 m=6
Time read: h=2 m=47
